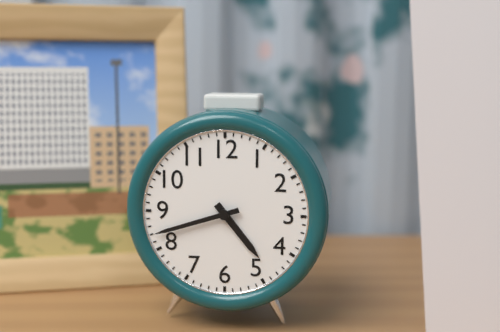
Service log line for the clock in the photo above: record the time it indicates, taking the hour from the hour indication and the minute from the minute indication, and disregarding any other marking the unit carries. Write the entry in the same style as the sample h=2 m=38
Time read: h=4 m=42
